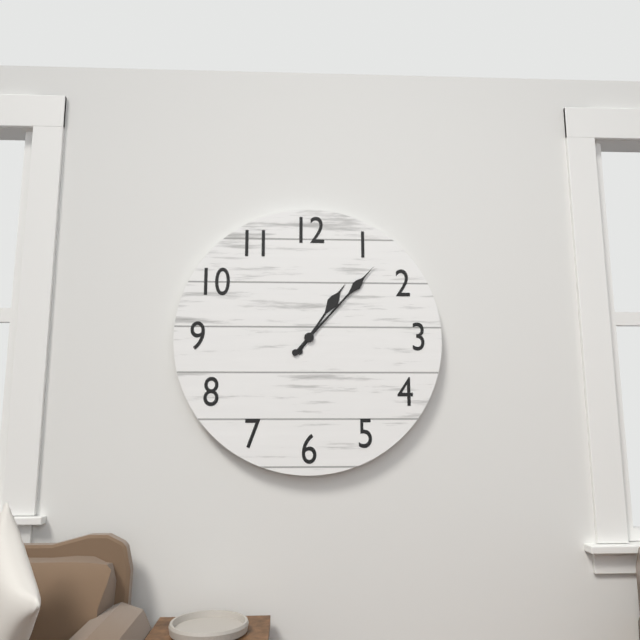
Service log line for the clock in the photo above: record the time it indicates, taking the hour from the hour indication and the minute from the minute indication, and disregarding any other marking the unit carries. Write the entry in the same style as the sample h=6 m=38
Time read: h=1 m=7
